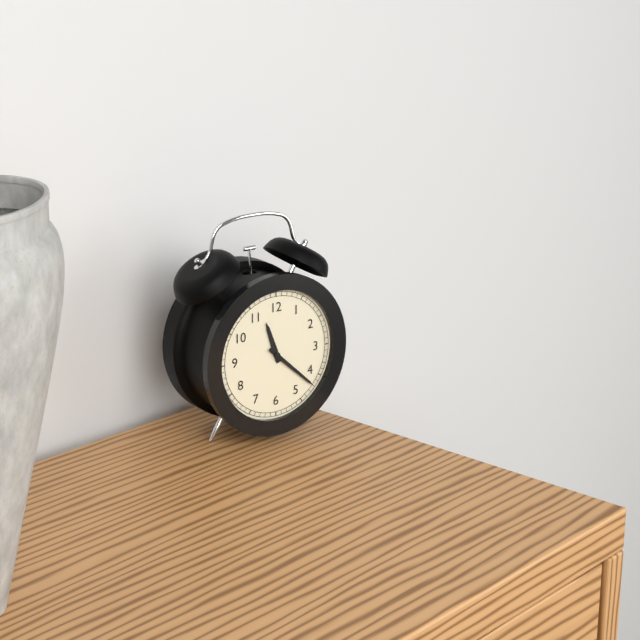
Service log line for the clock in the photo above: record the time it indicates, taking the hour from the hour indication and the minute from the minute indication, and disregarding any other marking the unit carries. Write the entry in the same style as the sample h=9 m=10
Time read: h=11 m=22
